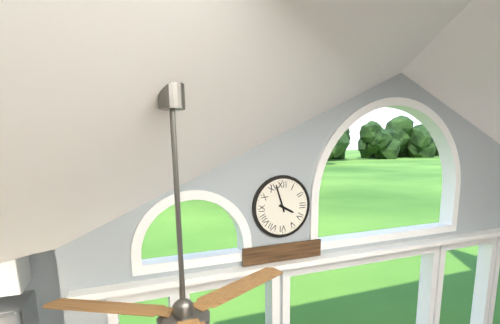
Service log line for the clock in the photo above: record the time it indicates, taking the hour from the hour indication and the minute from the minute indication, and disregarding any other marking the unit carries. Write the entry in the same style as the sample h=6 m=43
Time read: h=3 m=57
